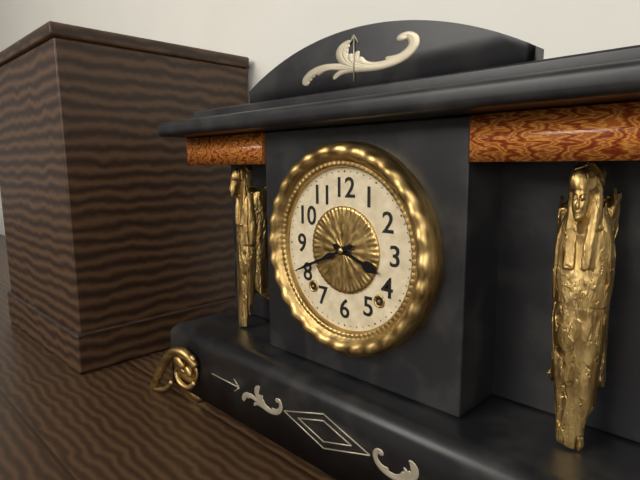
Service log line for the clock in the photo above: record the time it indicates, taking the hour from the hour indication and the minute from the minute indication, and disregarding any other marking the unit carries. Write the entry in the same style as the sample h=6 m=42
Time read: h=3 m=41
